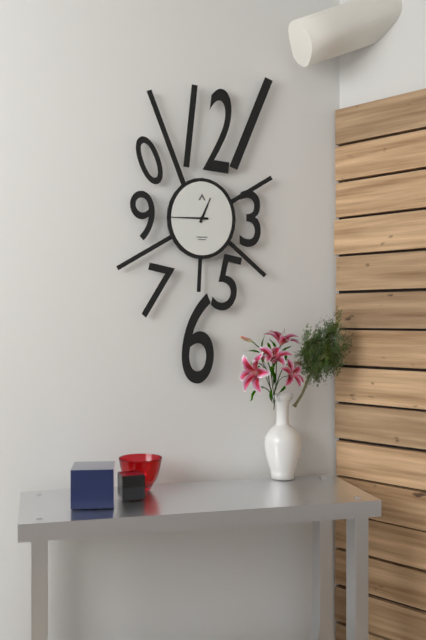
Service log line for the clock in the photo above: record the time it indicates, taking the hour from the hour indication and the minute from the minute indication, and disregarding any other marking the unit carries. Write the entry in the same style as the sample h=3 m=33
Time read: h=12 m=45
